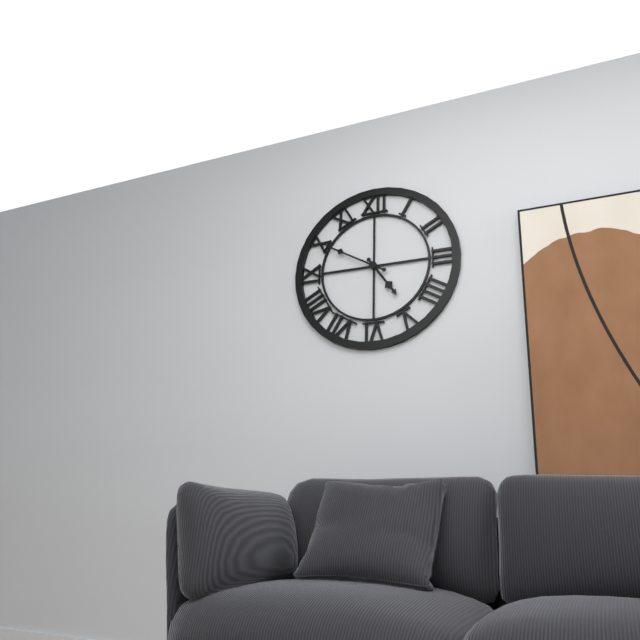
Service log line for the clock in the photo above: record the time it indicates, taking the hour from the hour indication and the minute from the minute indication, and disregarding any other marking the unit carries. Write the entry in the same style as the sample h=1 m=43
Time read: h=4 m=50
